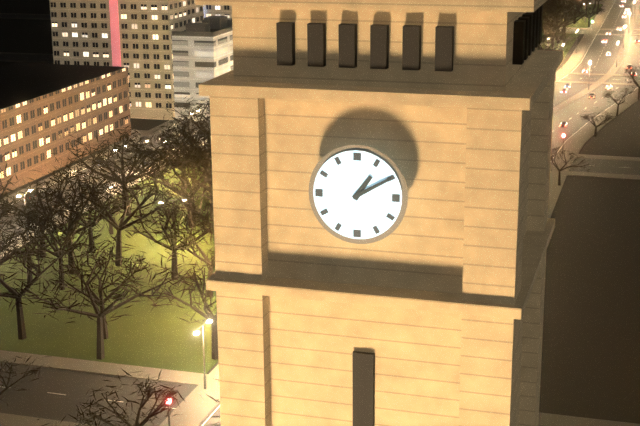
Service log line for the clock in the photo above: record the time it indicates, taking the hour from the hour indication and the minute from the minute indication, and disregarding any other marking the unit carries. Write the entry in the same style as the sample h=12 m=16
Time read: h=1 m=10
